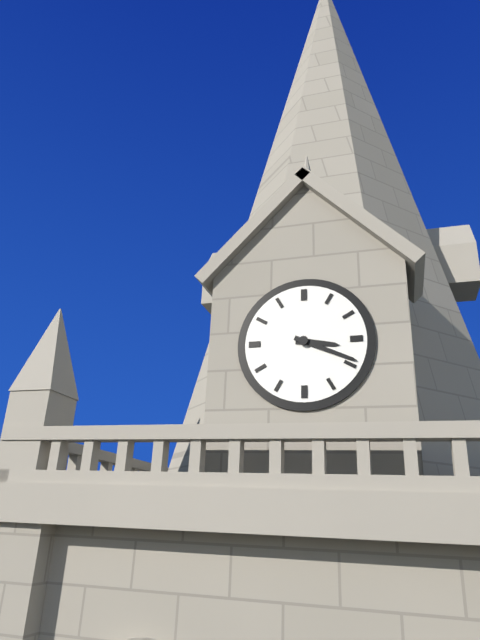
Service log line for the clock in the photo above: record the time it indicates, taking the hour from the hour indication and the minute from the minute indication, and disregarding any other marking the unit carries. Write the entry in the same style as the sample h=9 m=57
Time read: h=3 m=19
